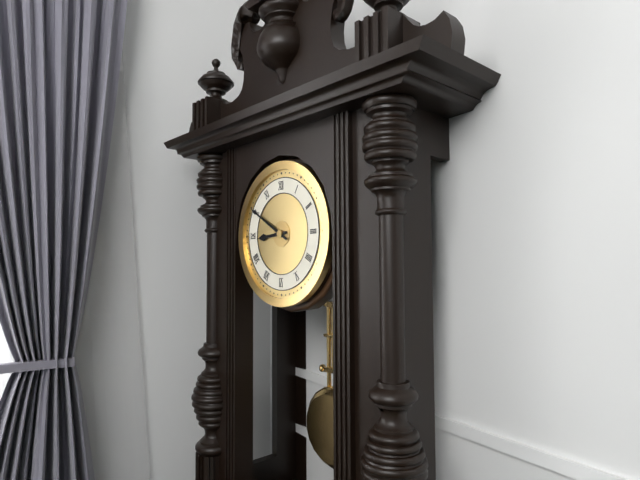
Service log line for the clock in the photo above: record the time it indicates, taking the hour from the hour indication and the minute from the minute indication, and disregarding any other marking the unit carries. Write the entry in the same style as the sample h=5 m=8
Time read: h=8 m=50
